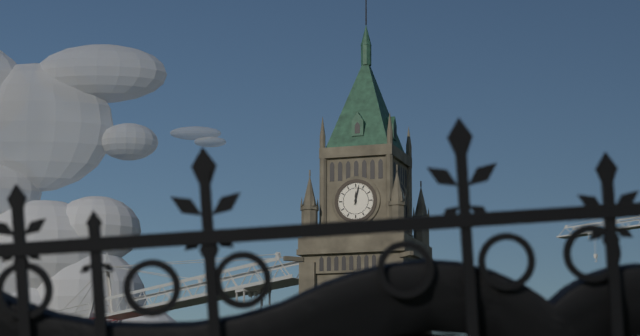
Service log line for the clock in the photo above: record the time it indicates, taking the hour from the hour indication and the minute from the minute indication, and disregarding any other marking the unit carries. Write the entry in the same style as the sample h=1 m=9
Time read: h=12 m=2
